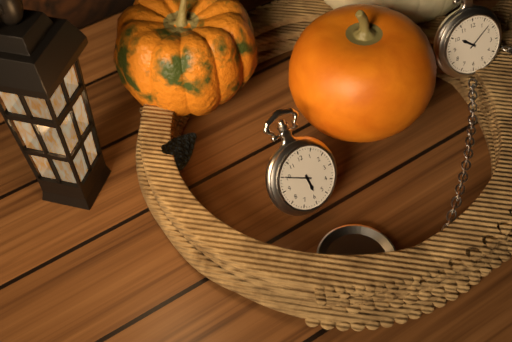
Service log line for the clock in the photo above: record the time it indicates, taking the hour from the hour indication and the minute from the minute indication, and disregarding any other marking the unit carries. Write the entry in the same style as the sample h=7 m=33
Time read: h=5 m=50
